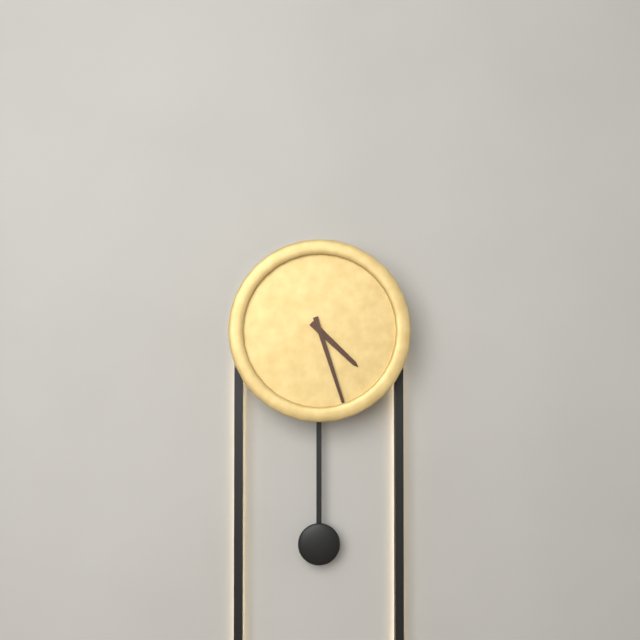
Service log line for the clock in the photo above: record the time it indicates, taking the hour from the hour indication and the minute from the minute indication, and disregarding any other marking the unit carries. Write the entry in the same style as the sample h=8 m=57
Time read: h=4 m=27
